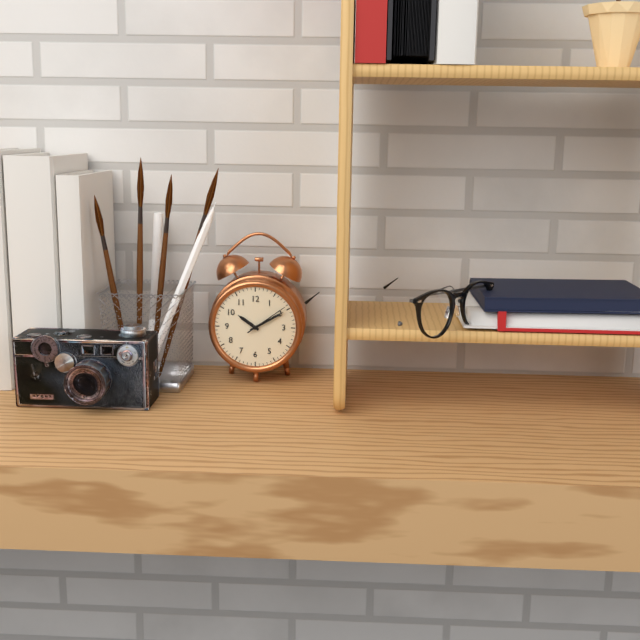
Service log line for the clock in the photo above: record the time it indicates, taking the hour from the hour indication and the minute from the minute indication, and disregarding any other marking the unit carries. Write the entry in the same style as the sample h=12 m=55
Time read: h=10 m=10
